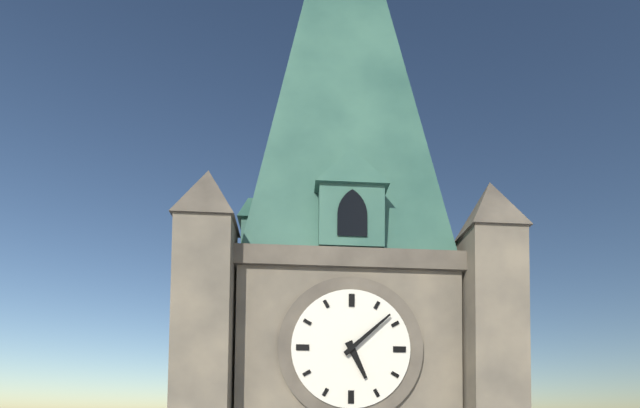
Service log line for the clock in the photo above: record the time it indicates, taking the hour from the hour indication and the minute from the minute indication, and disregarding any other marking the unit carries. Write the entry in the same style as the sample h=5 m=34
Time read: h=5 m=8
